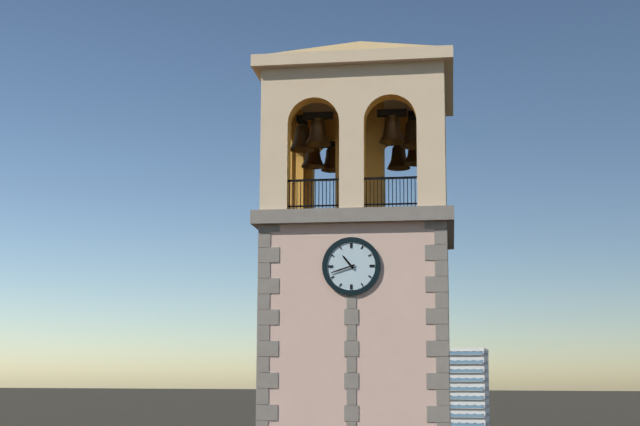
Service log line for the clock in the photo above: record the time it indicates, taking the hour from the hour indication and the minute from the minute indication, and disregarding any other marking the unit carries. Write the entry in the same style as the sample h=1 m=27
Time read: h=10 m=42
